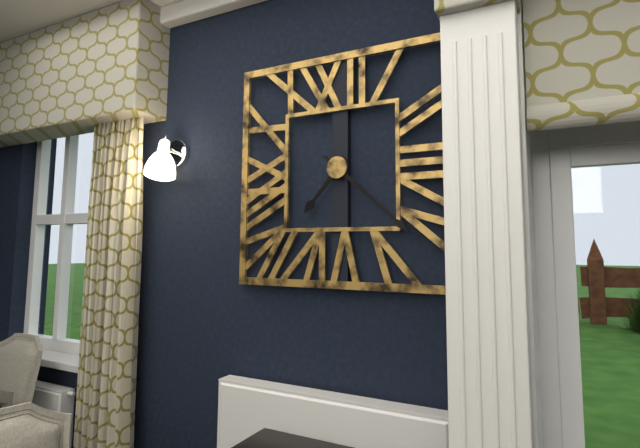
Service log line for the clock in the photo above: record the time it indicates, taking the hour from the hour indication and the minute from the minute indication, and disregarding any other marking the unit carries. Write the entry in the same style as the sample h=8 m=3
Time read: h=7 m=22
